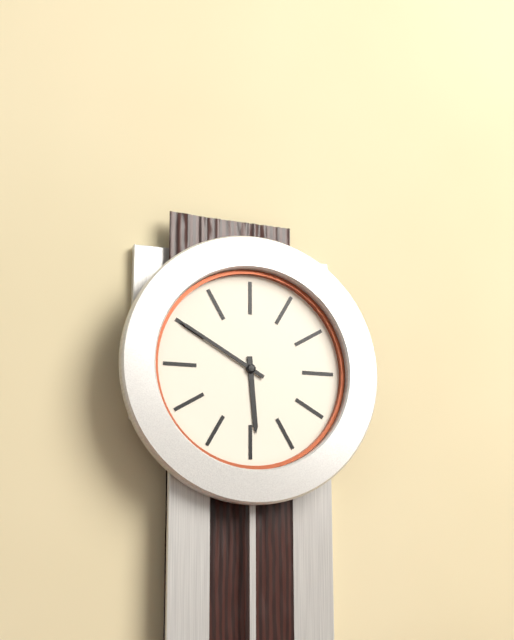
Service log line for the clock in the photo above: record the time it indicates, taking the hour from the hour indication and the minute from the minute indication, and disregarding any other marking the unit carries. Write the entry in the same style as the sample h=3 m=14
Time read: h=5 m=50
